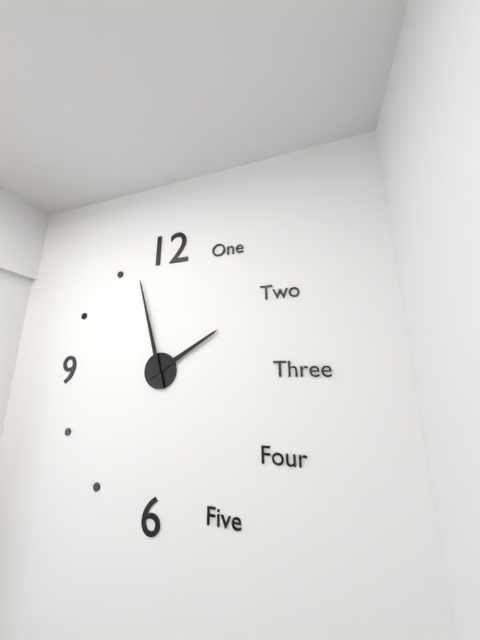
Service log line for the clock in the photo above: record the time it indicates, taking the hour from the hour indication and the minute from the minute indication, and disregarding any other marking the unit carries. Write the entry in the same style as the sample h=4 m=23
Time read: h=1 m=57
